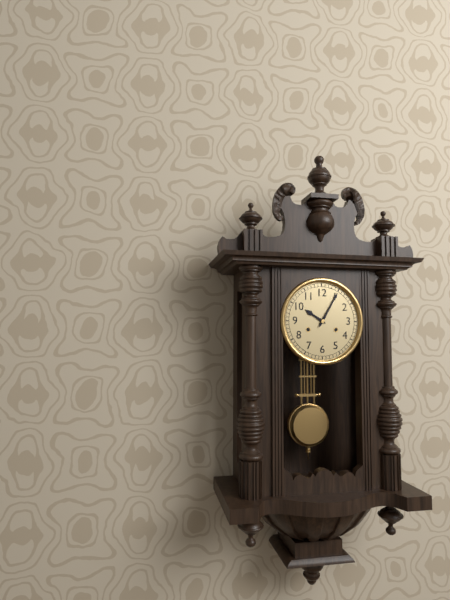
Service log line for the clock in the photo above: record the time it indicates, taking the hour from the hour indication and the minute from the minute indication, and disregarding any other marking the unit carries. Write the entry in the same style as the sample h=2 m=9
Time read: h=10 m=5
